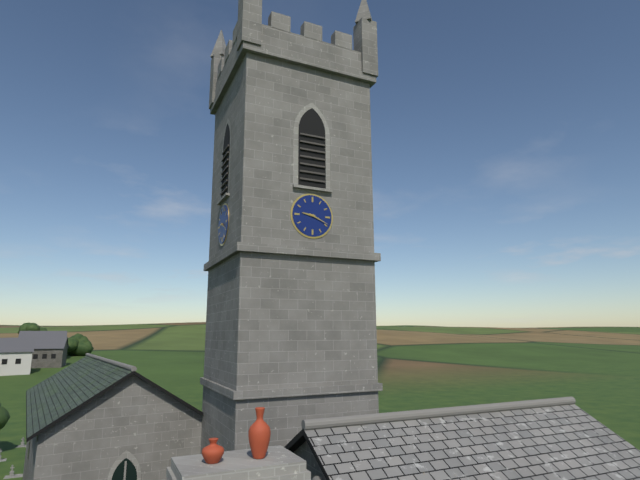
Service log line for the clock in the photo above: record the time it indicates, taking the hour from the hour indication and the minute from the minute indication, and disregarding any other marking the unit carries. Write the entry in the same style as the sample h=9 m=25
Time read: h=9 m=19
